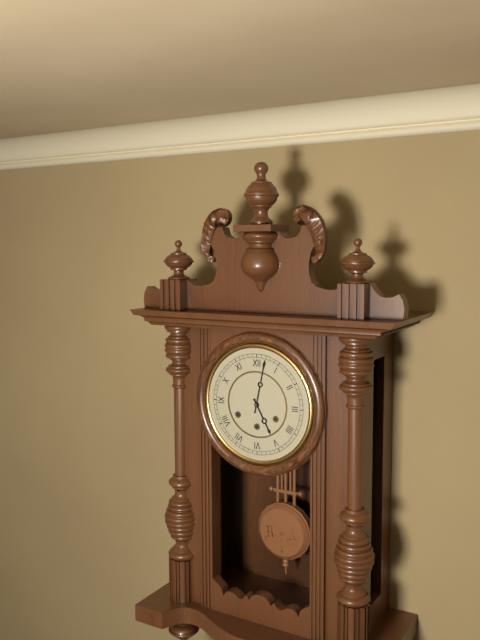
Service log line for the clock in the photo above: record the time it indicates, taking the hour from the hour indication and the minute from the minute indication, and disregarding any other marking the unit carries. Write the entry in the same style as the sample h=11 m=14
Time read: h=5 m=2
